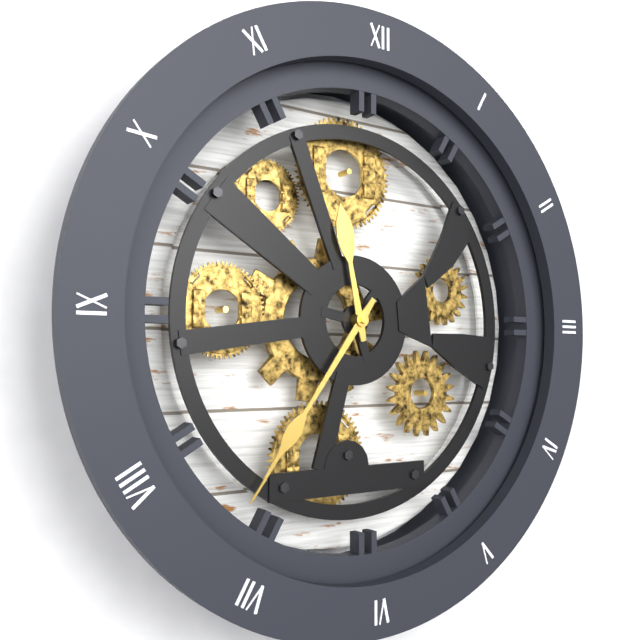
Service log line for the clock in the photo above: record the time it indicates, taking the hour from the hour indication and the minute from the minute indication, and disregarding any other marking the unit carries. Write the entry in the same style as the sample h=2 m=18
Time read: h=11 m=36
